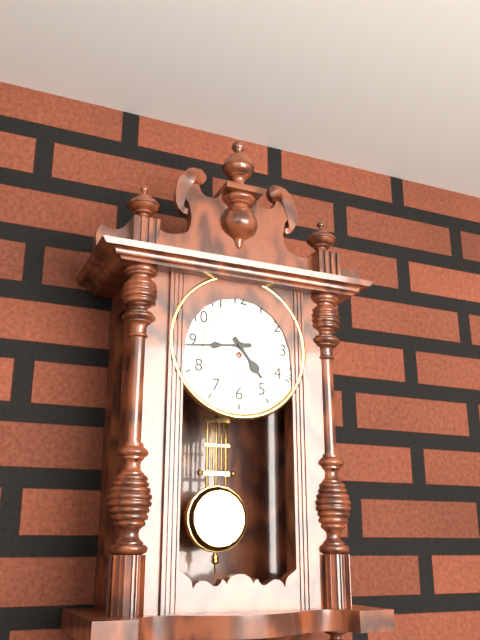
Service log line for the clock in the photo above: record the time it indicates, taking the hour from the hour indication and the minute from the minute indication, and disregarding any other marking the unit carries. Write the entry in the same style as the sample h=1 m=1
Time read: h=4 m=44
